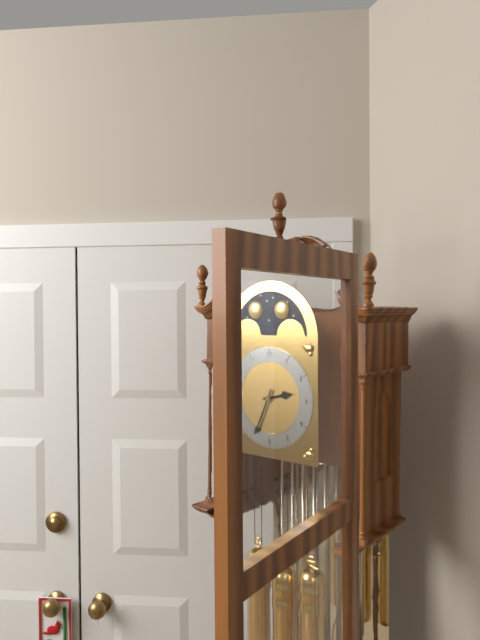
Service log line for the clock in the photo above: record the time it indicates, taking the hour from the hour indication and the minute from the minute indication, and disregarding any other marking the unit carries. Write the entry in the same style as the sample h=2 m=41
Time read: h=2 m=34
